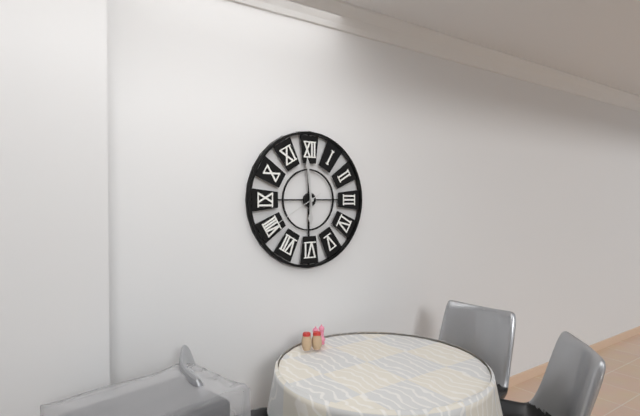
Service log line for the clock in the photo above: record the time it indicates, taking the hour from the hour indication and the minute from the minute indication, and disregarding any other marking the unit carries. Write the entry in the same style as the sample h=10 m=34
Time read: h=5 m=59
